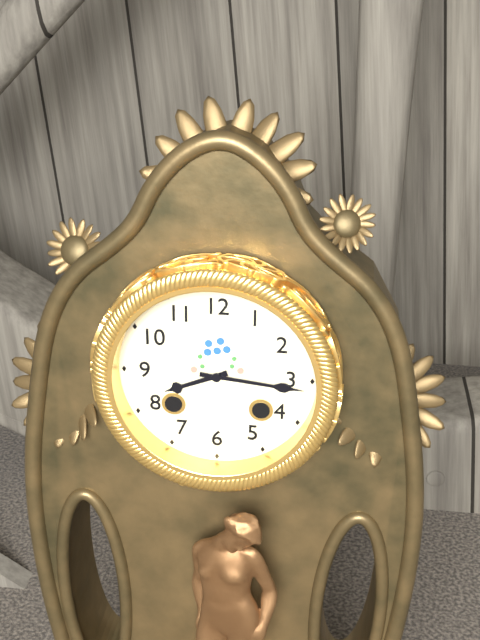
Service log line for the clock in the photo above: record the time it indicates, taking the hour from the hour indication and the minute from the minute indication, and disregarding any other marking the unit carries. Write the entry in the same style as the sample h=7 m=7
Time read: h=8 m=16
